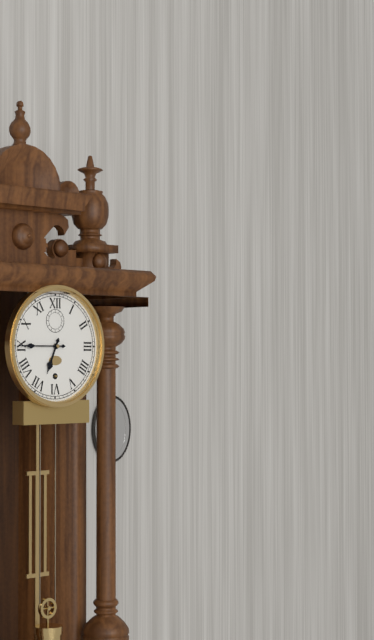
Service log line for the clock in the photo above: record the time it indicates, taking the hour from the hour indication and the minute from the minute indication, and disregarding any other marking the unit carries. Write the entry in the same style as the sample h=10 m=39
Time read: h=6 m=45
